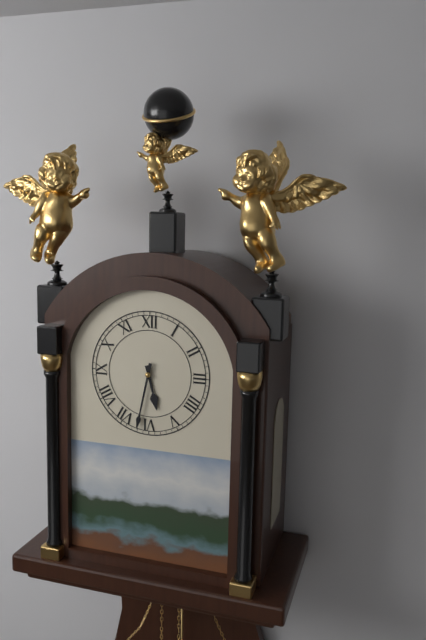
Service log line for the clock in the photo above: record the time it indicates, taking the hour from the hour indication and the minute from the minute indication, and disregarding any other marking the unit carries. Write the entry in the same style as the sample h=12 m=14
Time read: h=5 m=32
